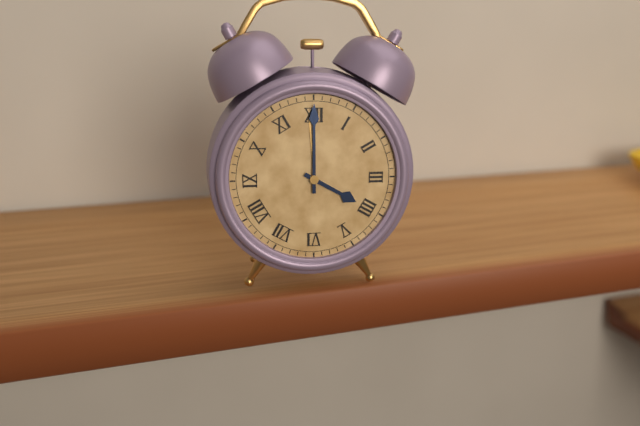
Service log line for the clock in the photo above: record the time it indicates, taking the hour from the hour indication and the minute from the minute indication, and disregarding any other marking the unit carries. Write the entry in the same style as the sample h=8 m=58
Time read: h=4 m=0
